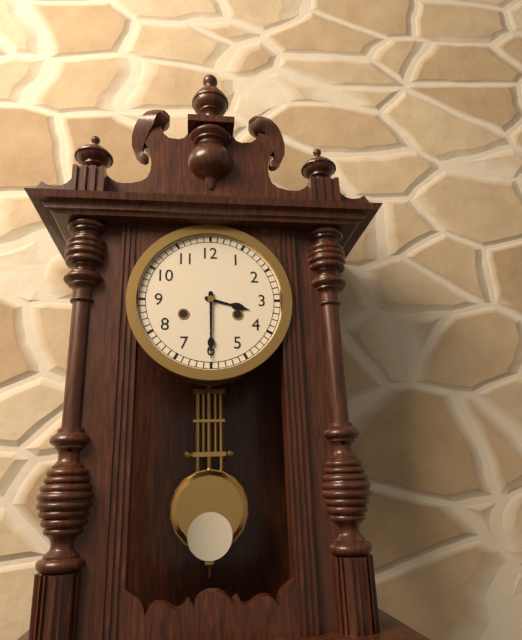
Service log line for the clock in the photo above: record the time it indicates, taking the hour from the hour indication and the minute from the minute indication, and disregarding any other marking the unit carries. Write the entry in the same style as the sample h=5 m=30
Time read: h=3 m=30
